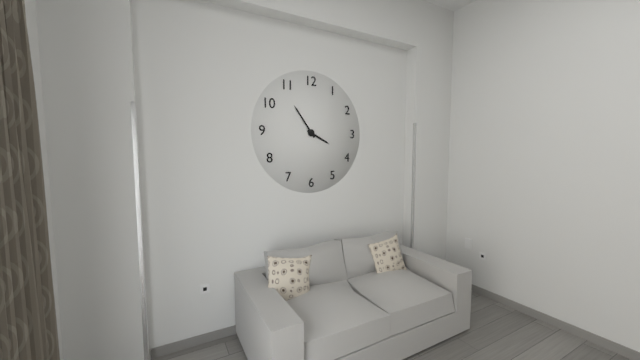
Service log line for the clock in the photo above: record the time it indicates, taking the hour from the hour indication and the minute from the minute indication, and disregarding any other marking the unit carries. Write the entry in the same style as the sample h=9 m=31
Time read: h=3 m=54
